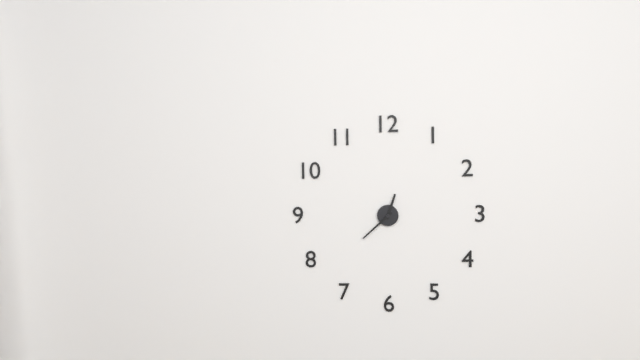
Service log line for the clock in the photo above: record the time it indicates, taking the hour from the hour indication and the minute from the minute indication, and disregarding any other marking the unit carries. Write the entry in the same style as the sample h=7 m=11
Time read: h=12 m=38
